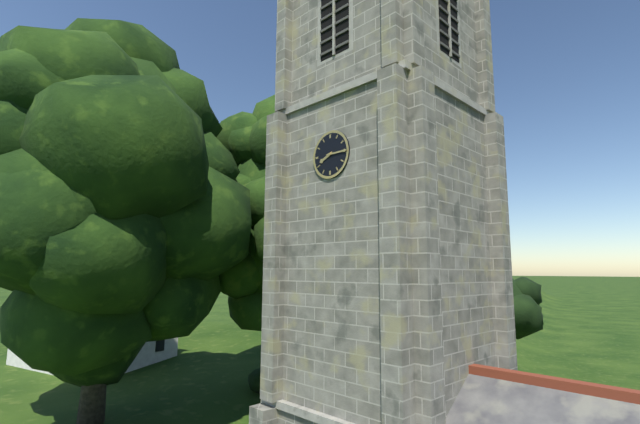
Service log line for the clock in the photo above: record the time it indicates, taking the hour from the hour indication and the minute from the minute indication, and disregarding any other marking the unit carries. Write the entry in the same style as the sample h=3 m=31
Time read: h=8 m=15
